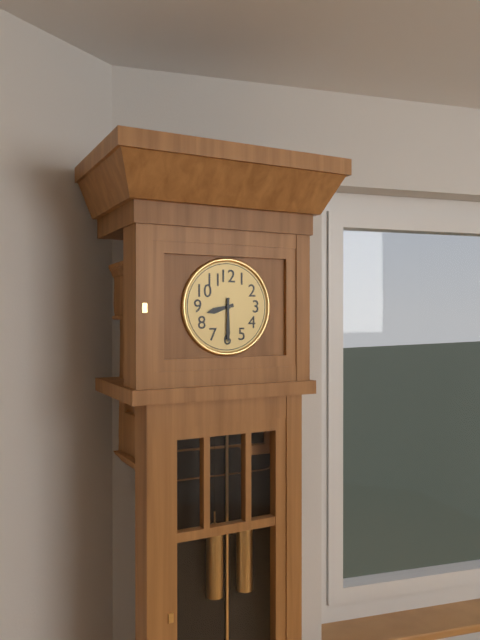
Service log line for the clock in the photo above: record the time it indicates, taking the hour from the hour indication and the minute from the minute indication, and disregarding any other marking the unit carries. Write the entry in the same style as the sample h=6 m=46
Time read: h=8 m=30
